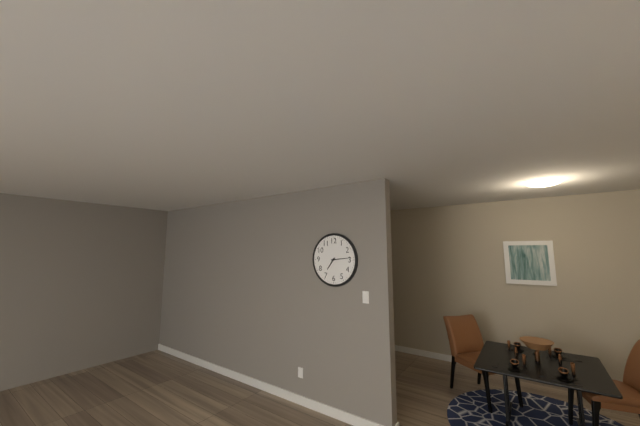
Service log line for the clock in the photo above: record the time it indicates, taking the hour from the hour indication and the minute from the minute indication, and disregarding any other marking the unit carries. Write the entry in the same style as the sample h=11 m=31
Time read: h=7 m=14
